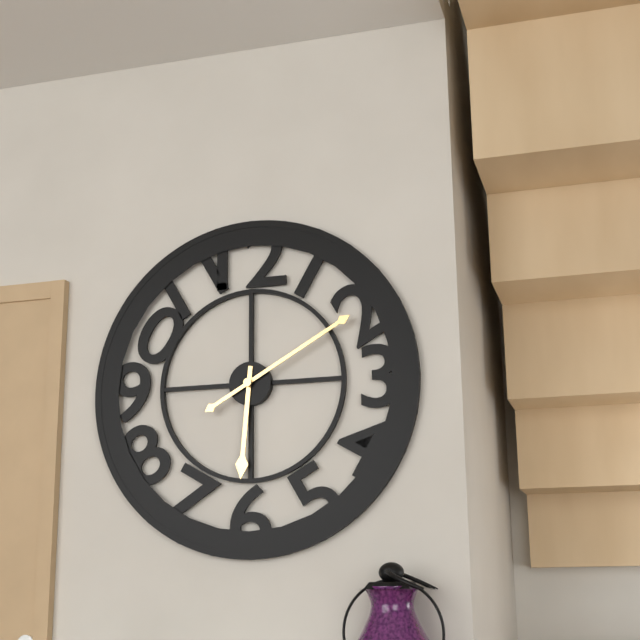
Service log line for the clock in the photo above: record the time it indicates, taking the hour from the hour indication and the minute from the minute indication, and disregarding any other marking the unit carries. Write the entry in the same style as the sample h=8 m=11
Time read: h=6 m=10
